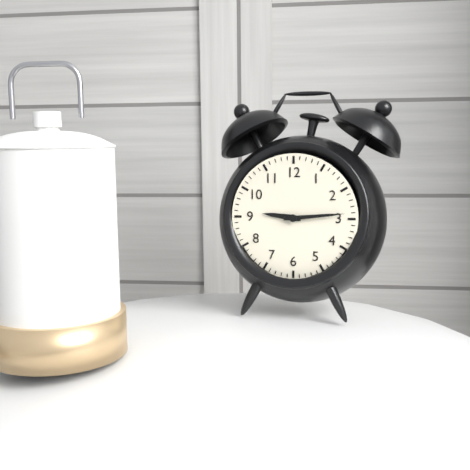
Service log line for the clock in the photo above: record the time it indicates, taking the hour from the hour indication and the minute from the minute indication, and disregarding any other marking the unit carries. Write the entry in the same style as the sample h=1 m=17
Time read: h=9 m=14
